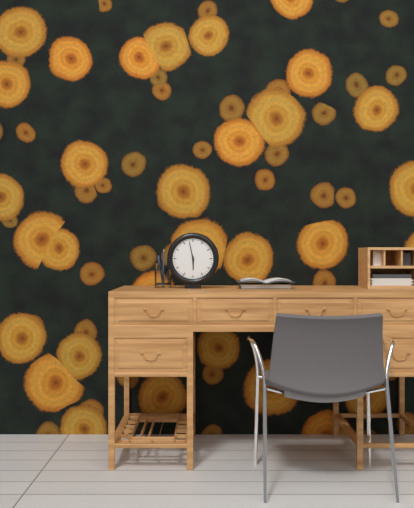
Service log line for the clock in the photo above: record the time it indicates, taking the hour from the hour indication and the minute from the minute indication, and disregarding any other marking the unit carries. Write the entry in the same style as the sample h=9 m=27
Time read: h=5 m=58
